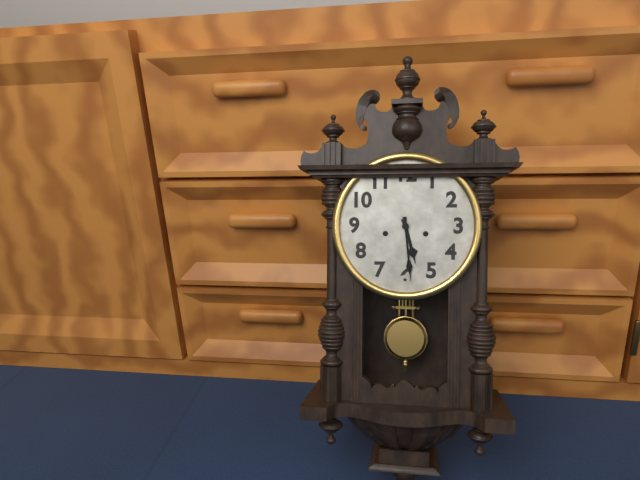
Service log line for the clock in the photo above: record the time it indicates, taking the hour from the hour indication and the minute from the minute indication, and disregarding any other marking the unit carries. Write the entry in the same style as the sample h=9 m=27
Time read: h=5 m=29
